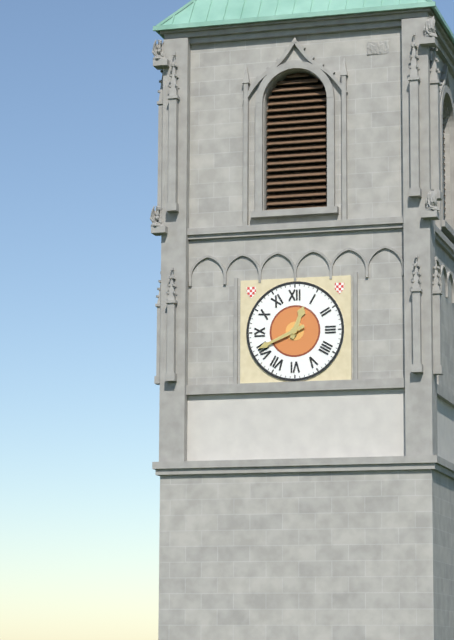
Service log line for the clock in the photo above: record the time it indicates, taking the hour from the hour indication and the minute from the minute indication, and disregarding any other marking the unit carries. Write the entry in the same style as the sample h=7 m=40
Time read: h=12 m=41
